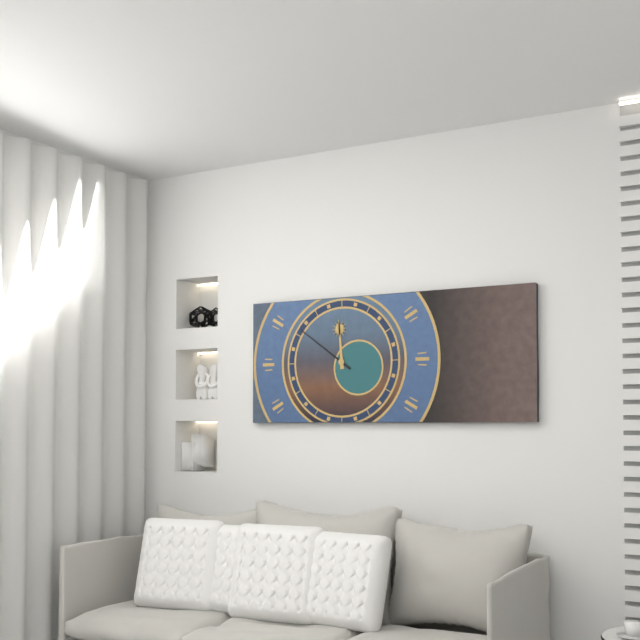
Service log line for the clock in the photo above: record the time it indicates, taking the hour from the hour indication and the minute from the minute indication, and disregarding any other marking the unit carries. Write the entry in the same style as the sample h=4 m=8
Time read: h=11 m=51
